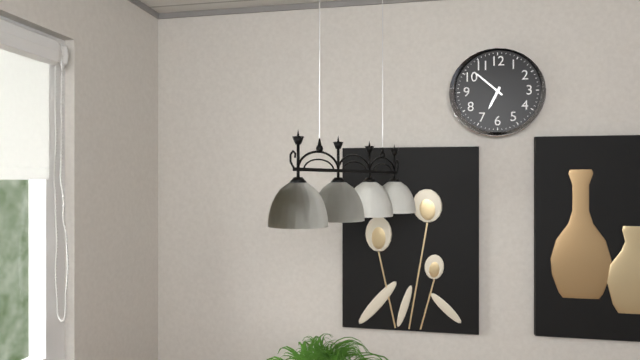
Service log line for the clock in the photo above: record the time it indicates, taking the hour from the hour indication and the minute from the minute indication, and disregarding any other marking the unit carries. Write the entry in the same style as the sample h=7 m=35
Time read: h=6 m=52
